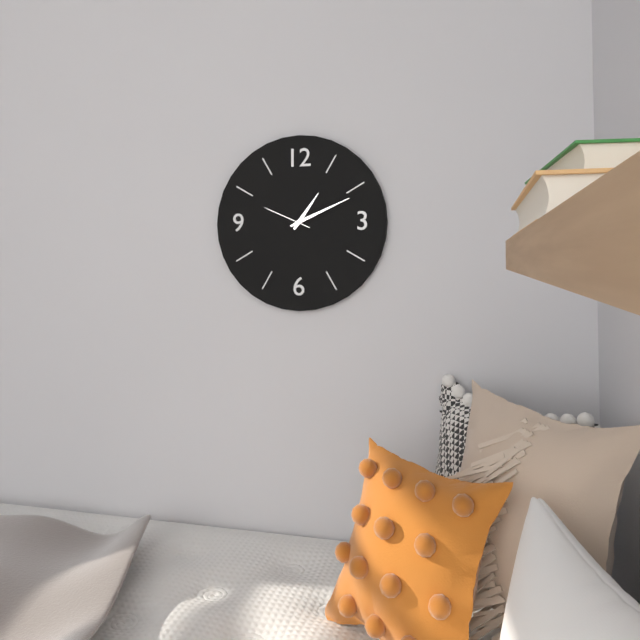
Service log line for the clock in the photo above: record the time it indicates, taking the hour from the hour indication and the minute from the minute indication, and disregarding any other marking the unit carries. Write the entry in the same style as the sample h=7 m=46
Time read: h=1 m=11
